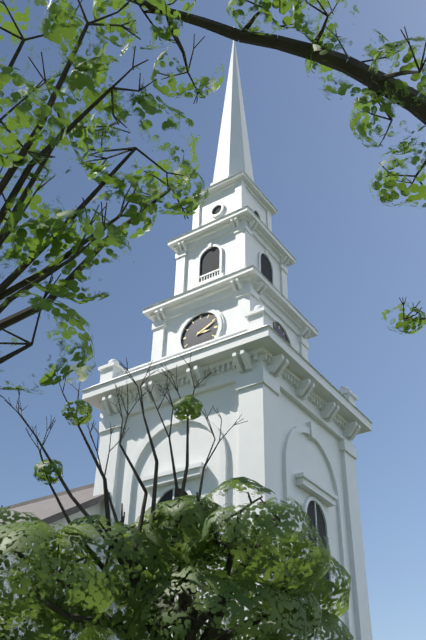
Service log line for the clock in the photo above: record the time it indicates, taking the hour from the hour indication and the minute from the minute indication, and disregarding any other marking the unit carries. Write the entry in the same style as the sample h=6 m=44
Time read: h=3 m=11
